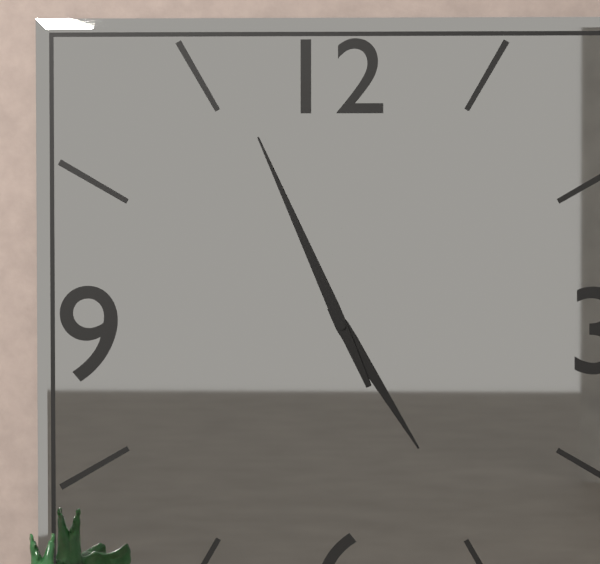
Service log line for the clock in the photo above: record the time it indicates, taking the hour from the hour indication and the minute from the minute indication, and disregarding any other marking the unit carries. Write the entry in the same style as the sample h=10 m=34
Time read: h=4 m=56
